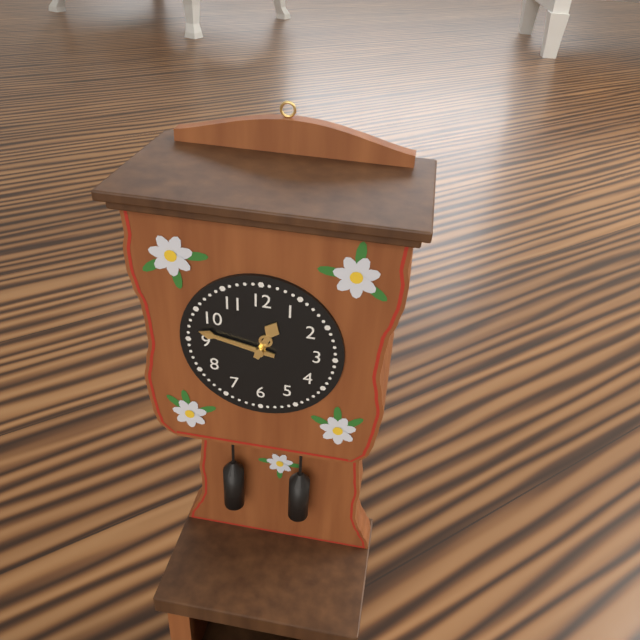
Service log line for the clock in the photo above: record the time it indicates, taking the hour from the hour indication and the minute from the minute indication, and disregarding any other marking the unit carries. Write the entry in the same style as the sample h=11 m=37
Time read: h=12 m=47
